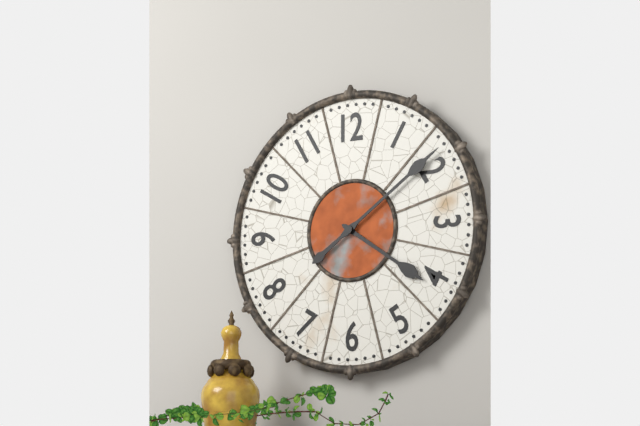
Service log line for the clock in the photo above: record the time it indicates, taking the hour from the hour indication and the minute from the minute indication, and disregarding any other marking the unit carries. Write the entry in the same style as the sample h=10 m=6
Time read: h=4 m=9
